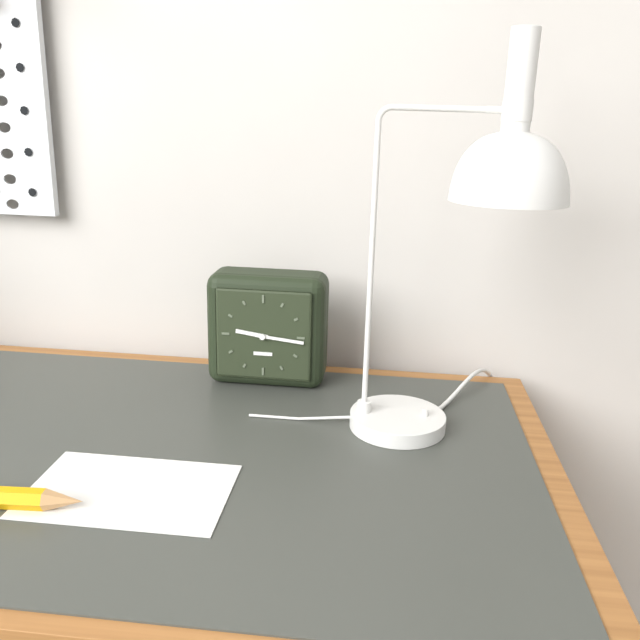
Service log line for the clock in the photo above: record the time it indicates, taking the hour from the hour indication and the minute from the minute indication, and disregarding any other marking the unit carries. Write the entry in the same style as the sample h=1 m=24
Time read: h=9 m=16
